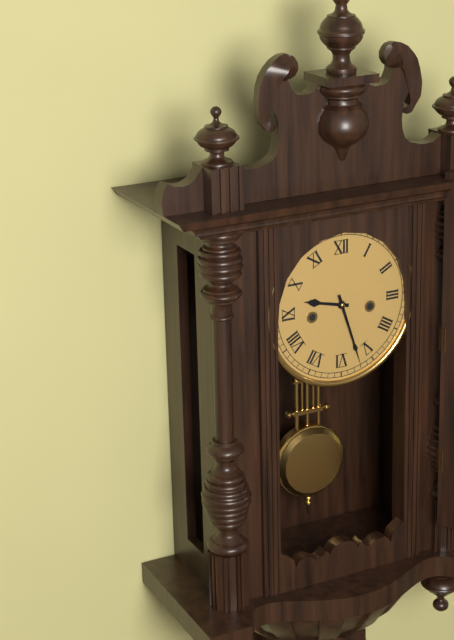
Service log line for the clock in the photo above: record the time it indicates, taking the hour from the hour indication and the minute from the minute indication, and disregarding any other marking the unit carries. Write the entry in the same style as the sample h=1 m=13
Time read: h=9 m=27
